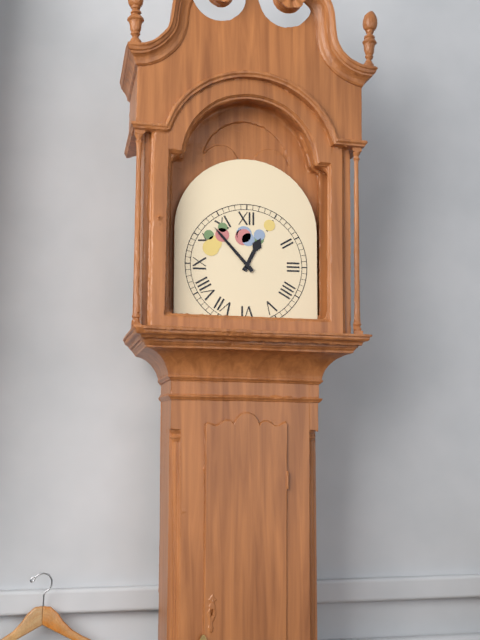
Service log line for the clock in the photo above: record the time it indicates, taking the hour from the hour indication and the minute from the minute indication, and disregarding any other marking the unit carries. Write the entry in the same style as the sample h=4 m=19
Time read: h=12 m=53
